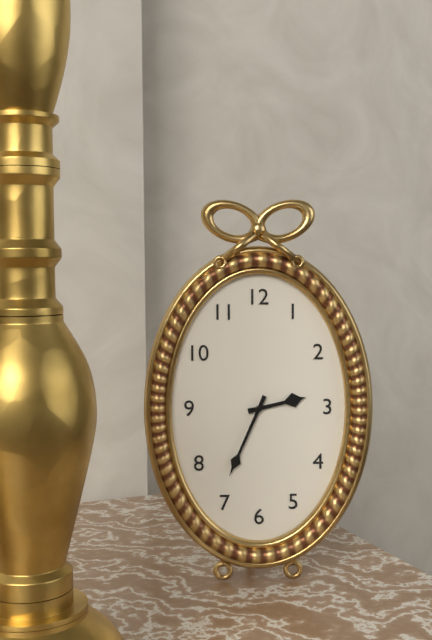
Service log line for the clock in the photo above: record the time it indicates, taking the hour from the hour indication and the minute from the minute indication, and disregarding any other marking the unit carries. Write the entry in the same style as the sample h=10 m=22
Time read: h=2 m=34
